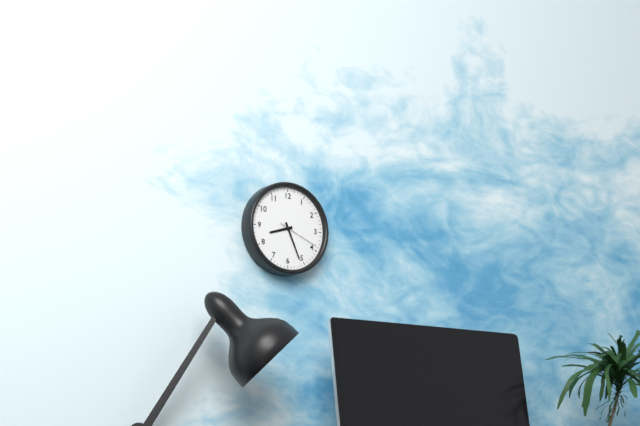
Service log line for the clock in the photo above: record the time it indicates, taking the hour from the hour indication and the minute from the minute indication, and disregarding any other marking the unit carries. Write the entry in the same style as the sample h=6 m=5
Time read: h=8 m=26
